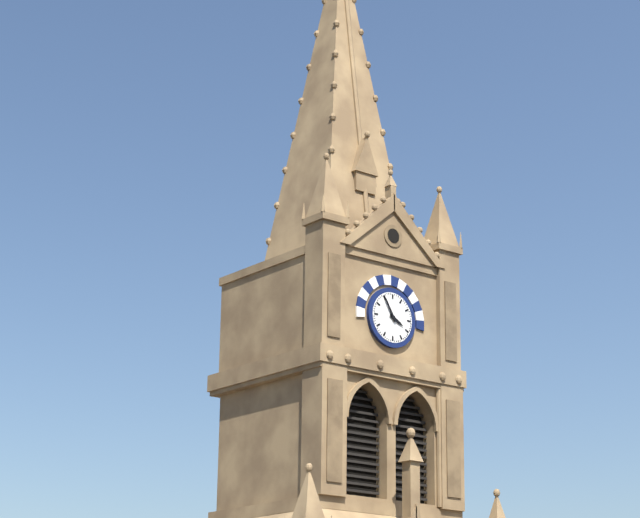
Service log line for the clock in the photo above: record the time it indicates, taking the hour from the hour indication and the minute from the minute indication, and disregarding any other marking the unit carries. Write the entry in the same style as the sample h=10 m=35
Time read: h=3 m=55
